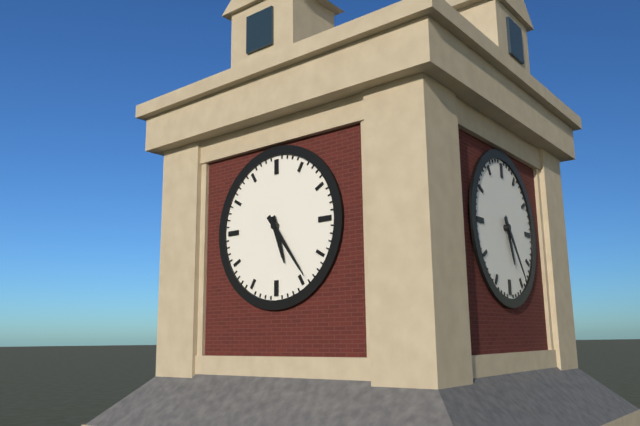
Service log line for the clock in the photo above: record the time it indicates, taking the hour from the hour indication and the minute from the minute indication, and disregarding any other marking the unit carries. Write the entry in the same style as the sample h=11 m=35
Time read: h=5 m=24
